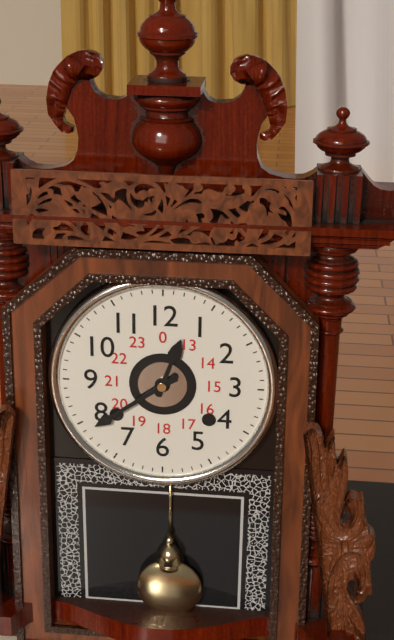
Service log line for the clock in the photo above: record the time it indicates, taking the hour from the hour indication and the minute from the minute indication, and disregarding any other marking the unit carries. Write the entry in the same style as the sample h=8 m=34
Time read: h=12 m=39
